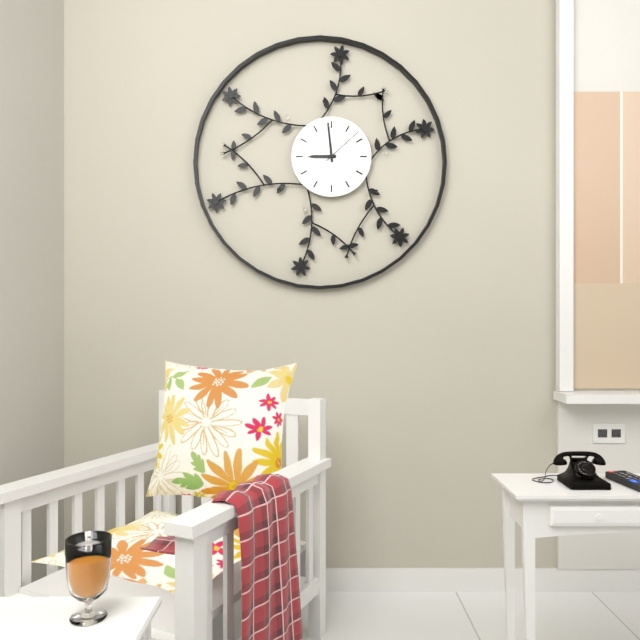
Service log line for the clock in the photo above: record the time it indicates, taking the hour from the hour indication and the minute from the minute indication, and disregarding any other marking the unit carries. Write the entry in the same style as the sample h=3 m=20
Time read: h=8 m=59
